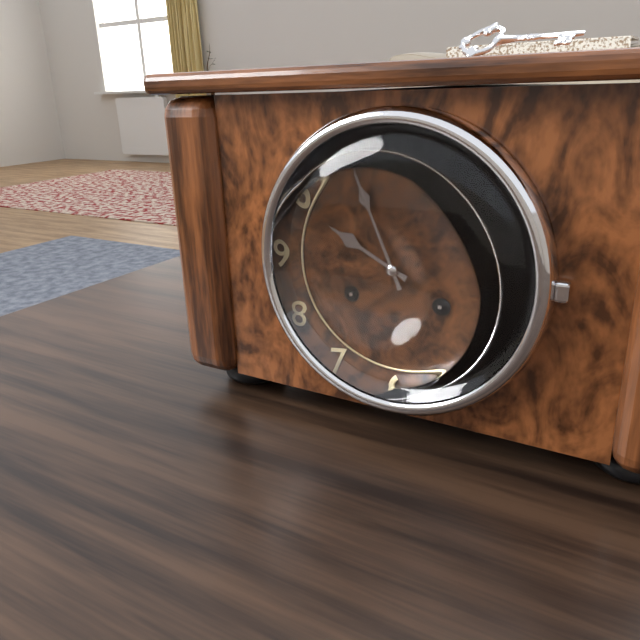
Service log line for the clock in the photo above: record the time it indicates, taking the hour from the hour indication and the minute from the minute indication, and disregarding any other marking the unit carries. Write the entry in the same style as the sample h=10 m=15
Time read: h=9 m=56
